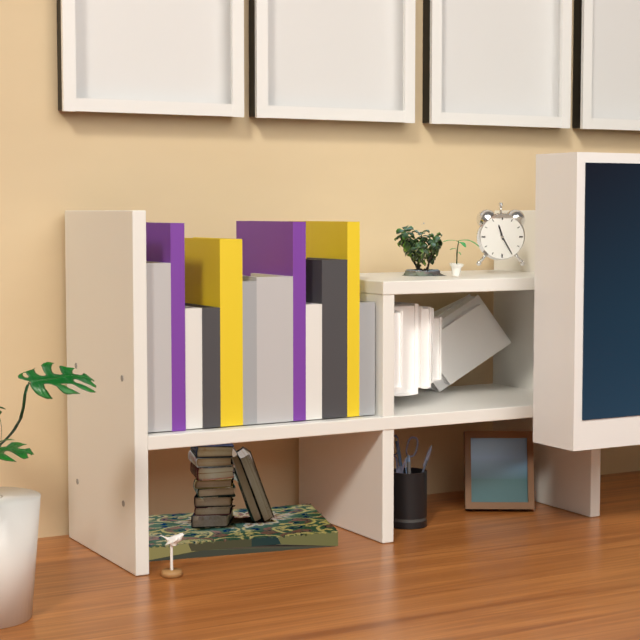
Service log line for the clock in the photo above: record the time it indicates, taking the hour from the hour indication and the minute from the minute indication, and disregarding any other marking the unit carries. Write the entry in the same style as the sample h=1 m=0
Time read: h=11 m=25
